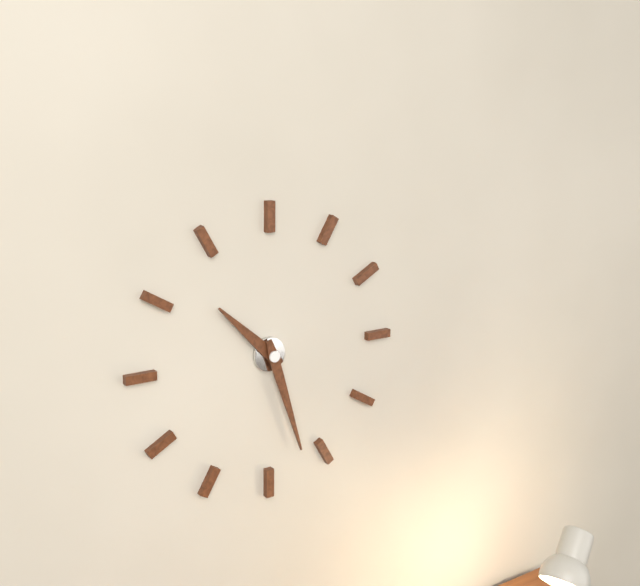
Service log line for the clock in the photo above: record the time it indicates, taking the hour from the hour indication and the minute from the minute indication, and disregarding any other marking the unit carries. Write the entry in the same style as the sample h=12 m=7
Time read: h=10 m=27
